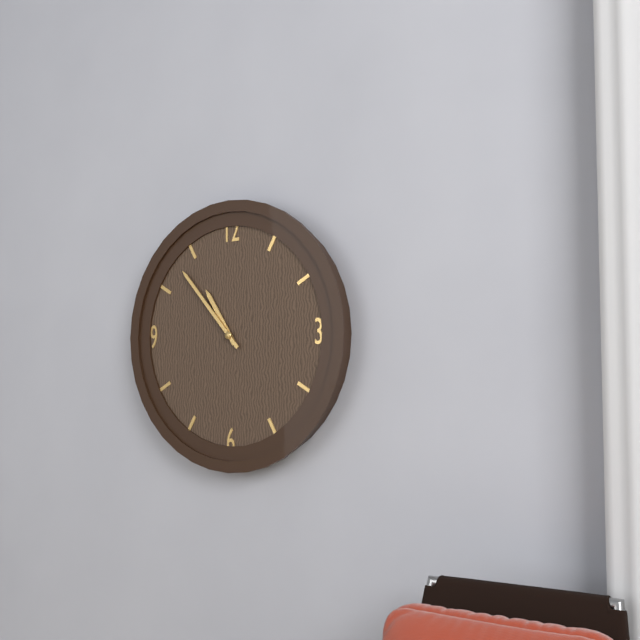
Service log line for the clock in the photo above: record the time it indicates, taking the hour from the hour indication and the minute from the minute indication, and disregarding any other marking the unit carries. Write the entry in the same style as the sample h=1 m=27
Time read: h=10 m=53
